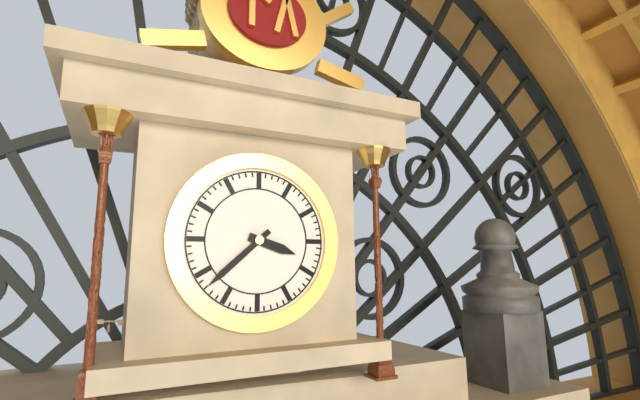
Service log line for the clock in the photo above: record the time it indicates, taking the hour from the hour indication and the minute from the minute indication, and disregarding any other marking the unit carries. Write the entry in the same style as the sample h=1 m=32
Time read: h=3 m=38
